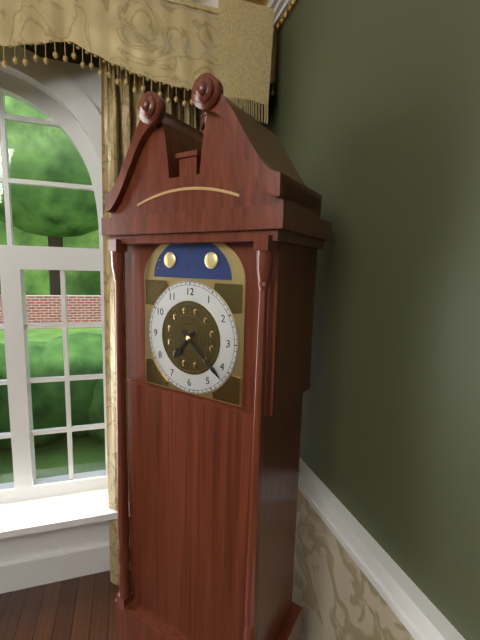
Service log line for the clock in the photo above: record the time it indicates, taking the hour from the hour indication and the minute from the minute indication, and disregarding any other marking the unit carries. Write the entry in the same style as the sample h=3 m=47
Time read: h=7 m=22
